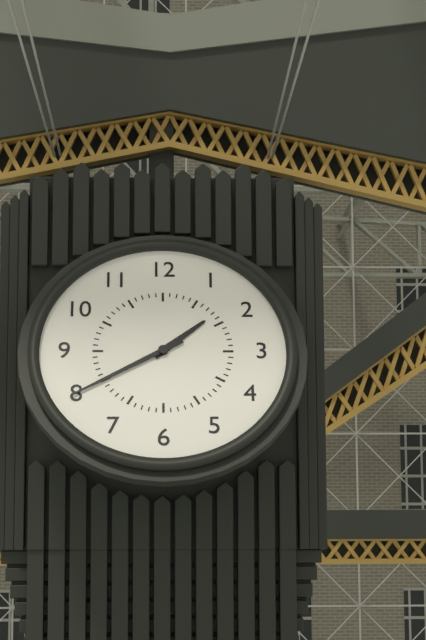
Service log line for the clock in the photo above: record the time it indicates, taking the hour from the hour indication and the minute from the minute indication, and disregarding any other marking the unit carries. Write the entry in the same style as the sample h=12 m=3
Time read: h=1 m=40
